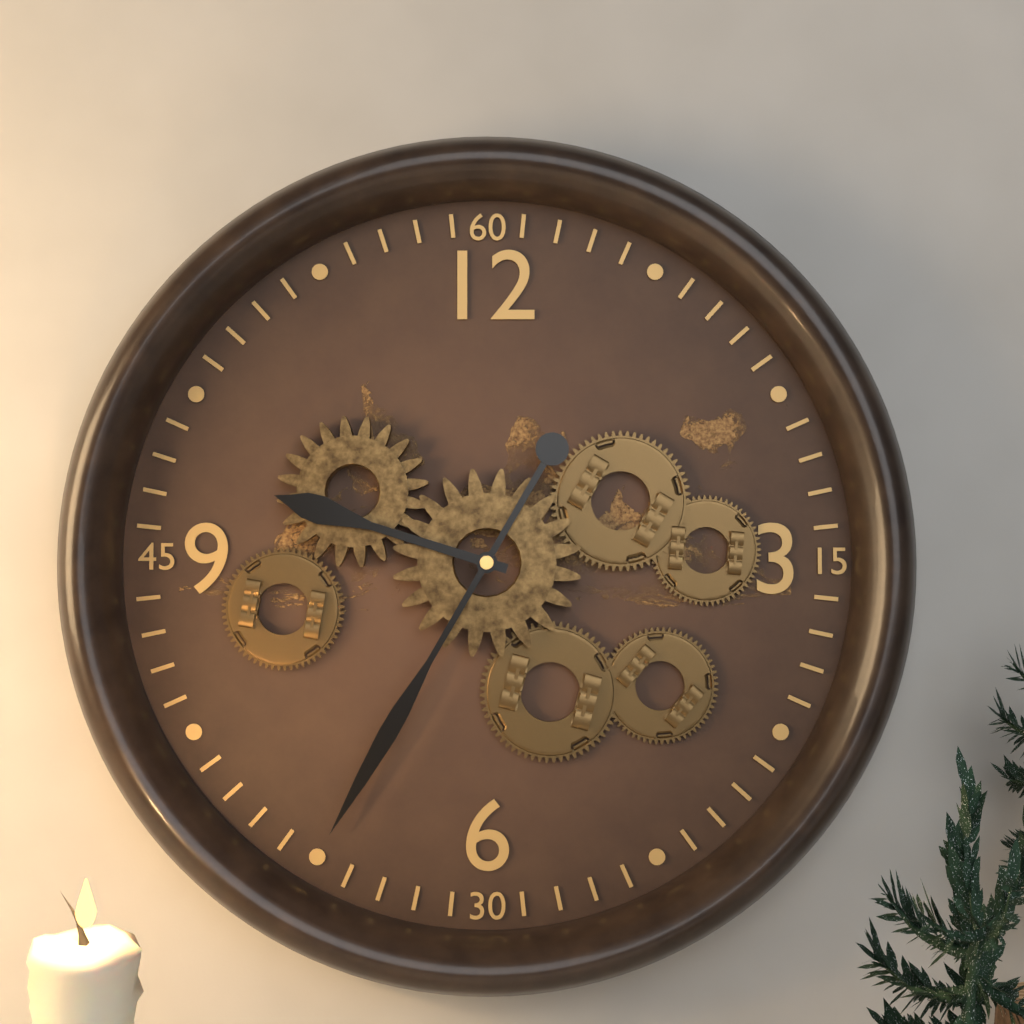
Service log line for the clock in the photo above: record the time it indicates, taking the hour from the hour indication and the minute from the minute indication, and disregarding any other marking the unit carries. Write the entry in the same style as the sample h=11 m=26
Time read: h=9 m=35
